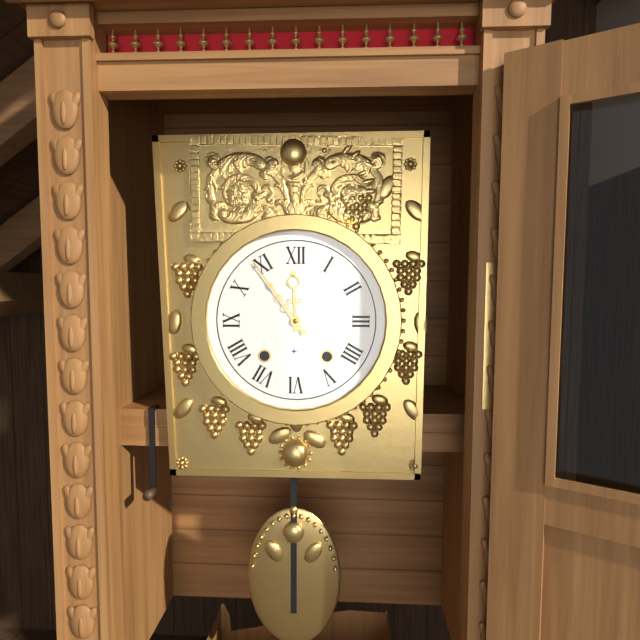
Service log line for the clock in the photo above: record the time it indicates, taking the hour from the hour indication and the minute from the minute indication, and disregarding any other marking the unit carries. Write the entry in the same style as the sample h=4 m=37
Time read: h=11 m=54
